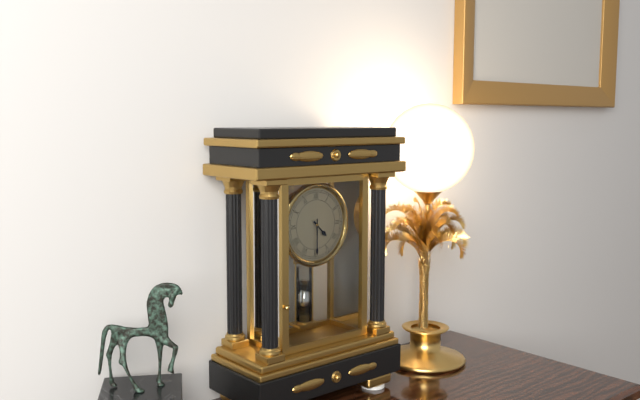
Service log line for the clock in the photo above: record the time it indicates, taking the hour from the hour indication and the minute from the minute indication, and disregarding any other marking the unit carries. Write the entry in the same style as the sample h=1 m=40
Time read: h=4 m=30
